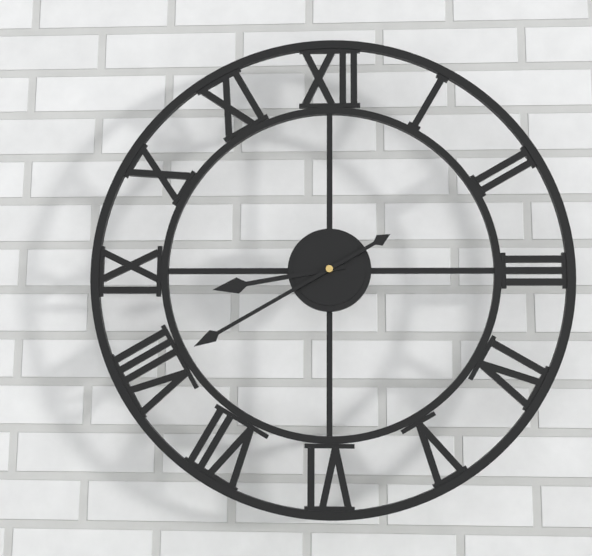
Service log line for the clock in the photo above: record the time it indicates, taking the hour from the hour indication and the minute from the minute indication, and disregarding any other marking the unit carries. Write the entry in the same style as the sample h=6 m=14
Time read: h=8 m=40
